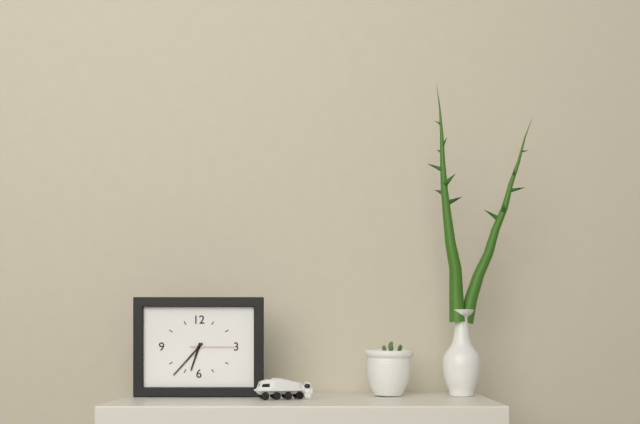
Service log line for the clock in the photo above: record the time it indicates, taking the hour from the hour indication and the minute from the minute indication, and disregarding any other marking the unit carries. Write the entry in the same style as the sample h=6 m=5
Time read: h=6 m=37
